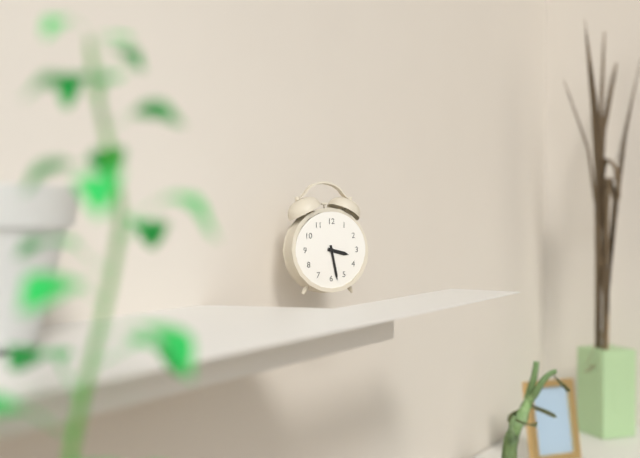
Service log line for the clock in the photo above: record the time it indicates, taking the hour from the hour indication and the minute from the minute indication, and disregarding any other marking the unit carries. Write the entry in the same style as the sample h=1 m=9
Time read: h=3 m=28
